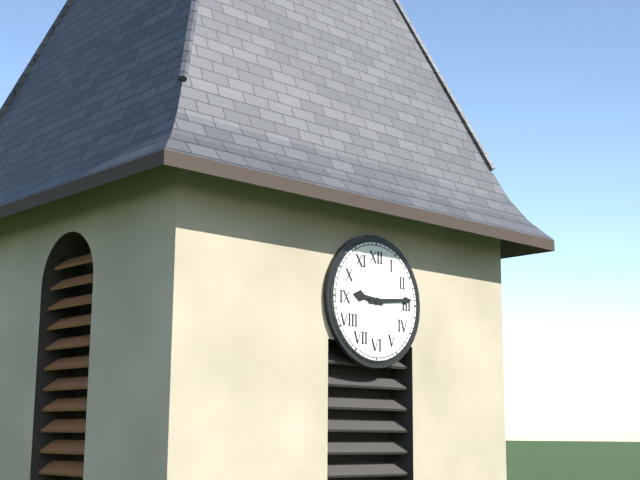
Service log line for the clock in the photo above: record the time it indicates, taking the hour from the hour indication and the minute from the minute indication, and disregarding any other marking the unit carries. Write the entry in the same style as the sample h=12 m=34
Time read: h=9 m=14
